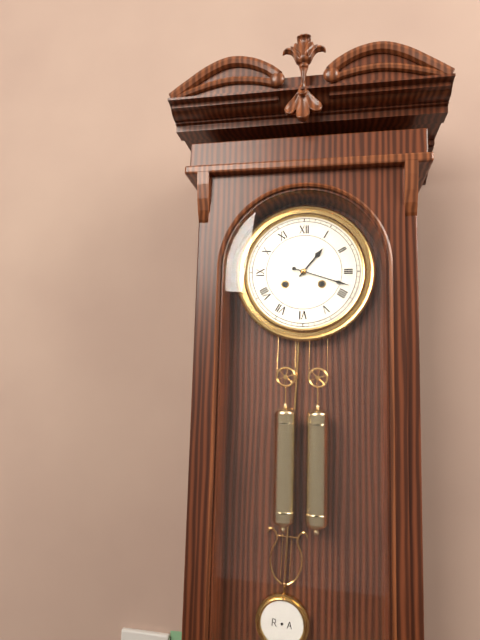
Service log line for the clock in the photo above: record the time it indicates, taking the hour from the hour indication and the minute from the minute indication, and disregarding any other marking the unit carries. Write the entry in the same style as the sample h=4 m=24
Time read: h=1 m=18
